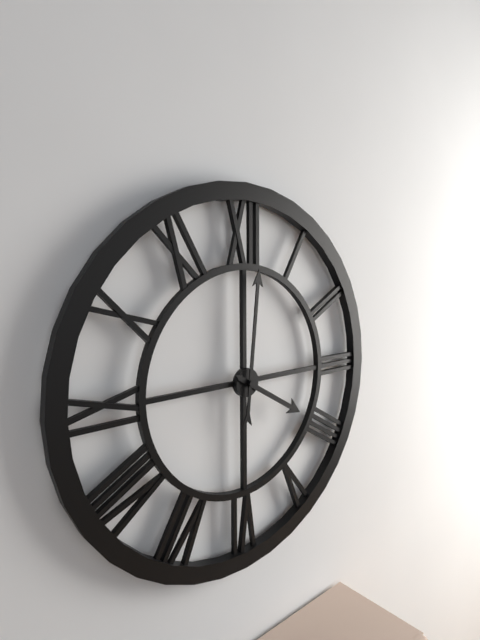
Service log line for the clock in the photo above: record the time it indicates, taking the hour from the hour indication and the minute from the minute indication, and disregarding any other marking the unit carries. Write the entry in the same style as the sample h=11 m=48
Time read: h=4 m=1
